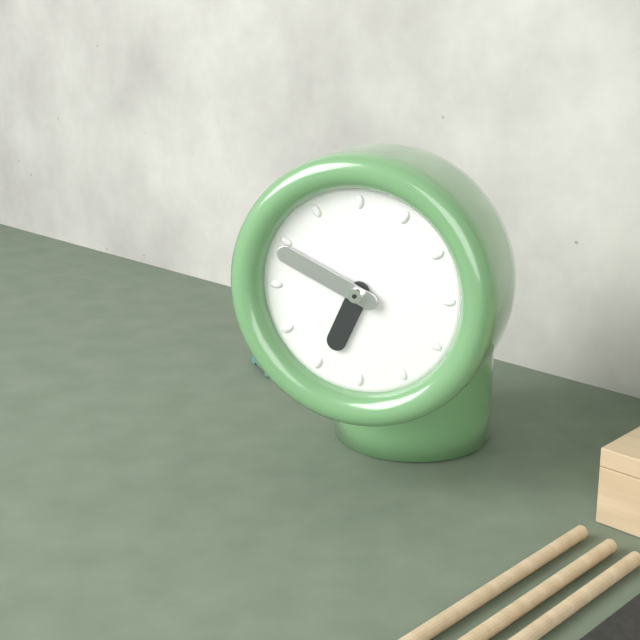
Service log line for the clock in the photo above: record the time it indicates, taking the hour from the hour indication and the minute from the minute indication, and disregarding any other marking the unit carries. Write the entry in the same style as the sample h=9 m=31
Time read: h=6 m=49
